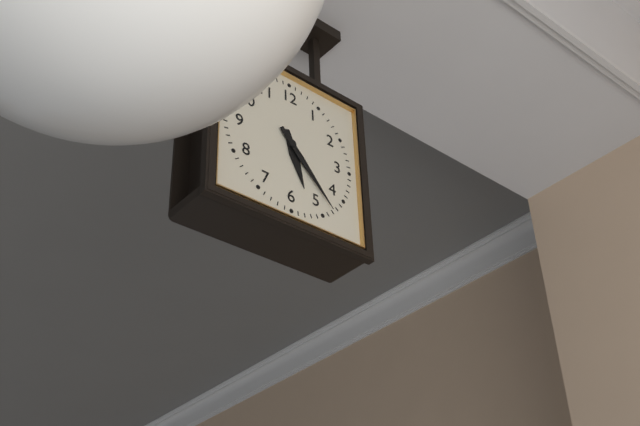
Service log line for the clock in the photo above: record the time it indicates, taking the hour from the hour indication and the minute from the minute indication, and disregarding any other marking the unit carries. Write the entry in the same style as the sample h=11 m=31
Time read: h=5 m=23
